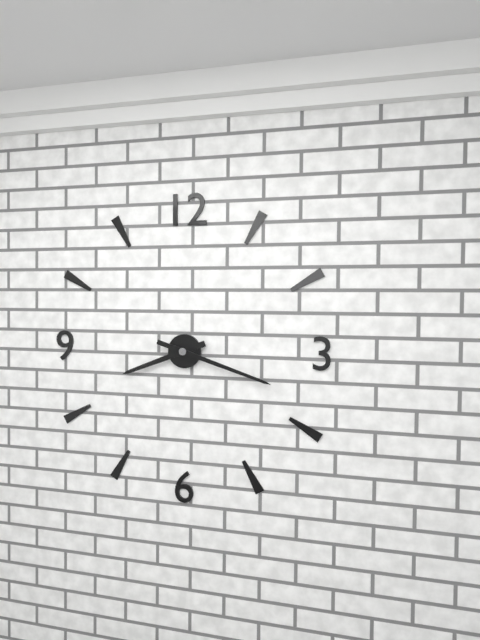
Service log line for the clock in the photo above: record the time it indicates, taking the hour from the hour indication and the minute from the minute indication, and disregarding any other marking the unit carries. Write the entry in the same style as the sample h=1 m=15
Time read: h=8 m=18
